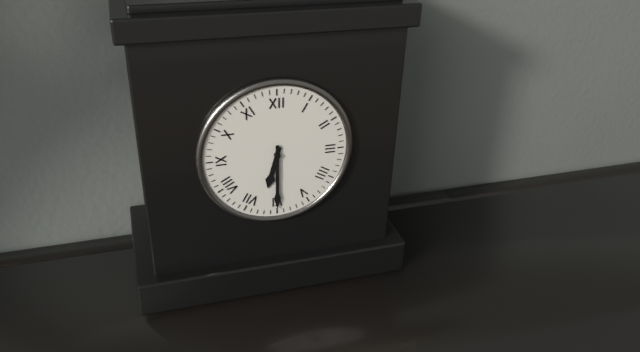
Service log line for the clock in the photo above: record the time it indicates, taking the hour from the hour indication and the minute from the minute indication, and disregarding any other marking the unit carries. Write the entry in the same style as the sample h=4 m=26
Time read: h=6 m=30
